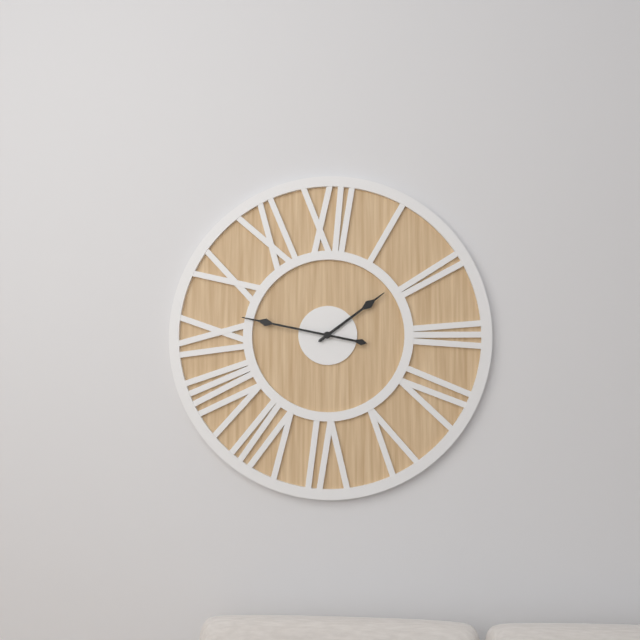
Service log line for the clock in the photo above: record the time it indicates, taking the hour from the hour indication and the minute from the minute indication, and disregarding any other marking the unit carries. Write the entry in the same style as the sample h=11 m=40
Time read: h=1 m=47
